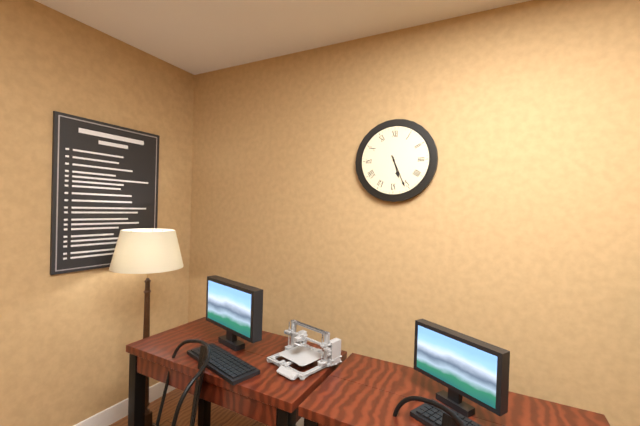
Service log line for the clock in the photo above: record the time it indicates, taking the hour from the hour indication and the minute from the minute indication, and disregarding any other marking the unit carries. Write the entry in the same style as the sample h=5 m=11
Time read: h=5 m=26
